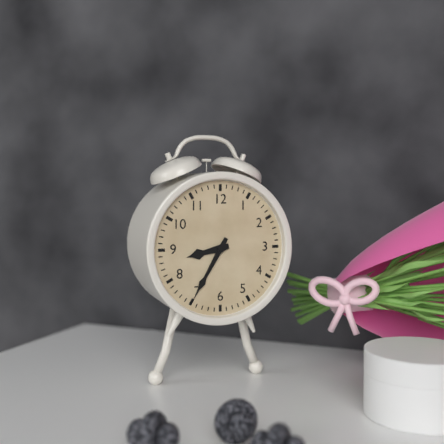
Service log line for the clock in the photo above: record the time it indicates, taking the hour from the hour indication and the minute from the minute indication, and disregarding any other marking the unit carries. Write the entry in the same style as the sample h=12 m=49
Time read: h=8 m=35
